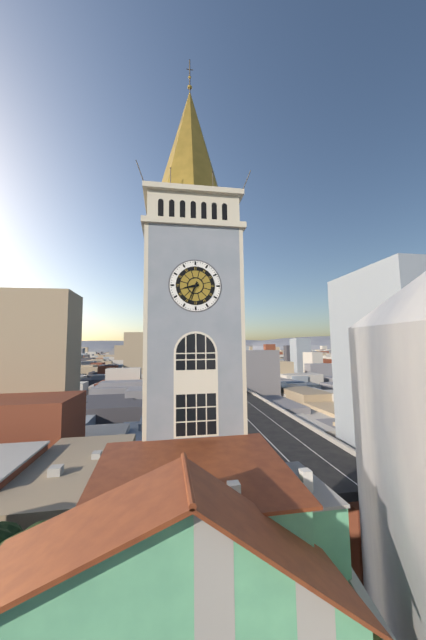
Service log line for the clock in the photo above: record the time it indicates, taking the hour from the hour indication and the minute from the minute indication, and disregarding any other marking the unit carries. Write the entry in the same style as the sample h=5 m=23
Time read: h=8 m=34
